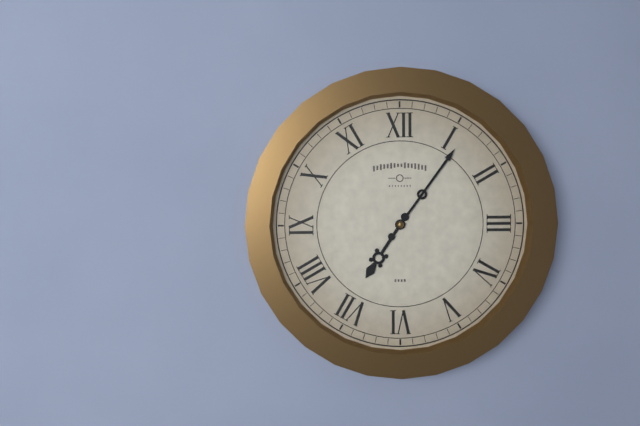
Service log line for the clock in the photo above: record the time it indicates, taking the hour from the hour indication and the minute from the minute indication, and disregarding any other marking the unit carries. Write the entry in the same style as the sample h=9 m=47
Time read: h=7 m=6
